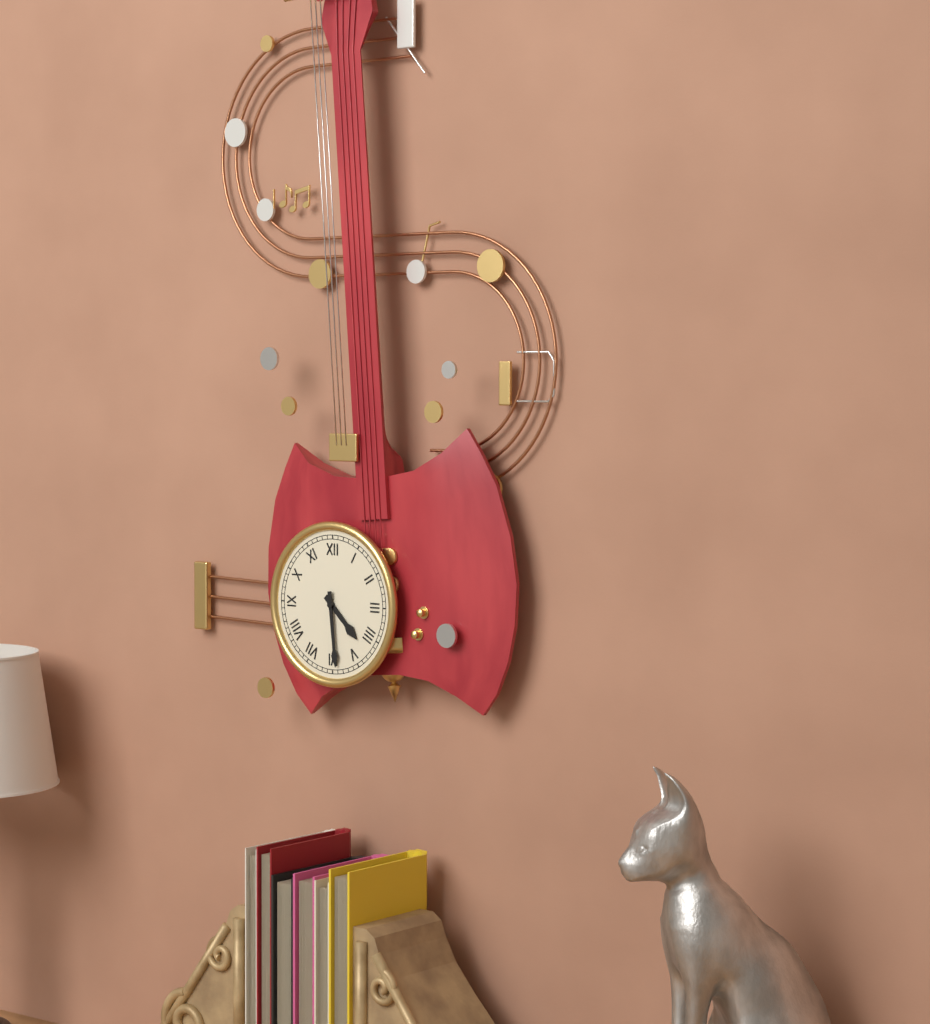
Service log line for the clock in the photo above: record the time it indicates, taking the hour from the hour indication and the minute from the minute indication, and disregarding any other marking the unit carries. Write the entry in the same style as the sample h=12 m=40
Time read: h=4 m=29
